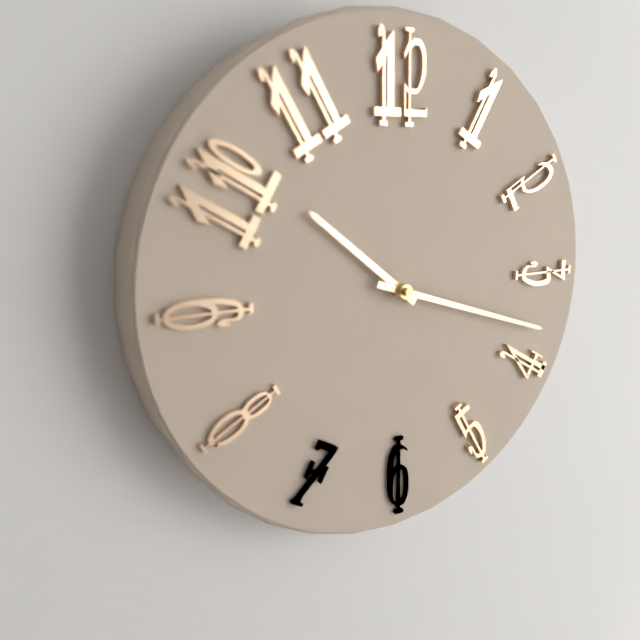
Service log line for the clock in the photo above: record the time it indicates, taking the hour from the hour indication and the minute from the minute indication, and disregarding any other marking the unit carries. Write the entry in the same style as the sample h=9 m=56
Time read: h=10 m=18
